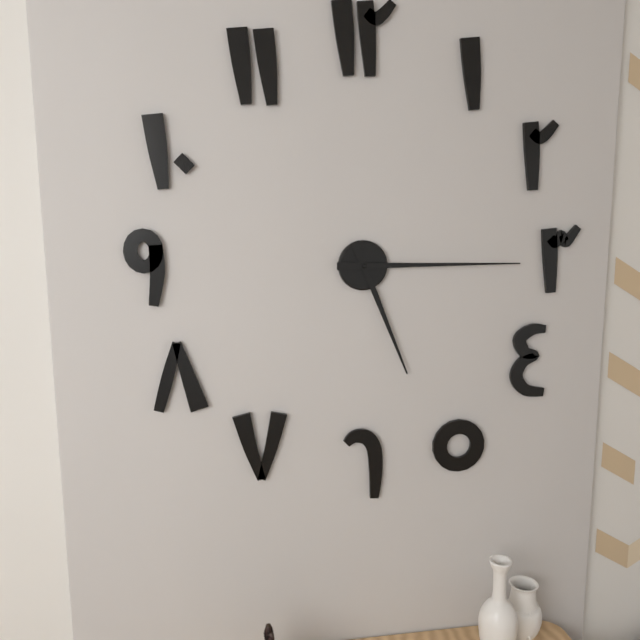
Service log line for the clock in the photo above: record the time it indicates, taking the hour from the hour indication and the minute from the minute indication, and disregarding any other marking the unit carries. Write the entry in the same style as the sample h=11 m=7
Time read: h=5 m=15
